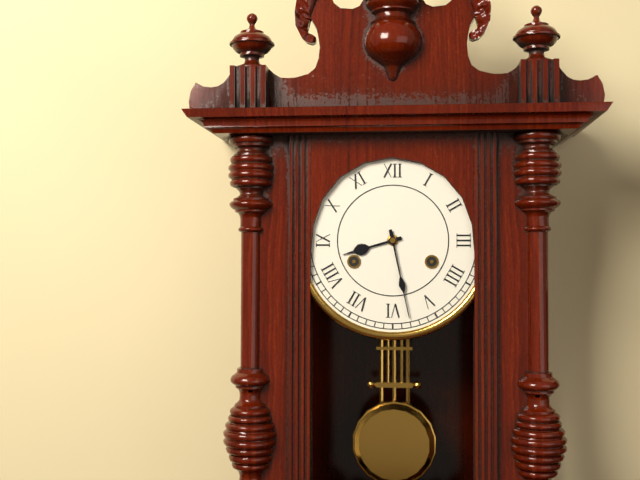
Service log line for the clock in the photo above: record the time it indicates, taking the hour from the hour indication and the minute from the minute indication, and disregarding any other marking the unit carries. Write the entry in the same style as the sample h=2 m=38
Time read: h=8 m=28
